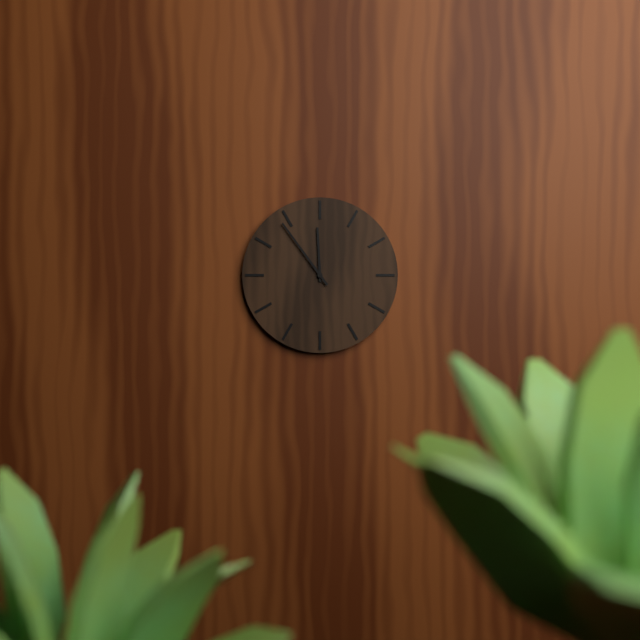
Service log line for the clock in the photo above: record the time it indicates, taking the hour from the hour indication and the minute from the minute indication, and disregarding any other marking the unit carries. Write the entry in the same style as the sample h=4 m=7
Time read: h=11 m=54
